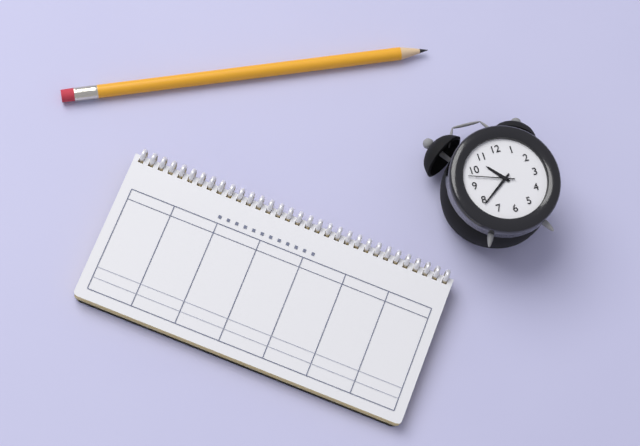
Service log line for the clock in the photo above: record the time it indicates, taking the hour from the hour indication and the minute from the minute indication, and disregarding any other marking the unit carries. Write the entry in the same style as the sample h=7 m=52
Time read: h=10 m=39
